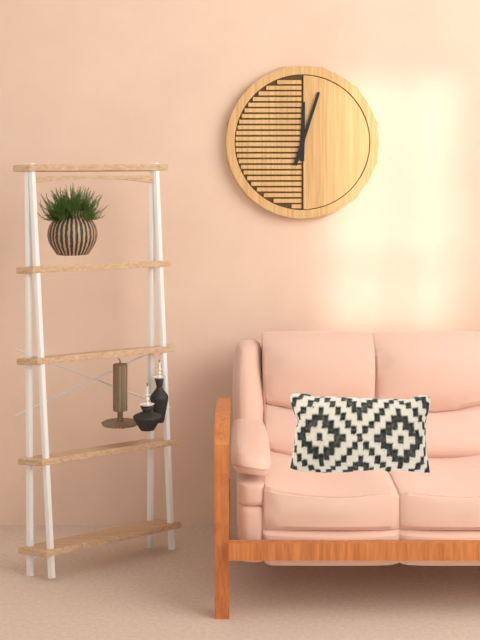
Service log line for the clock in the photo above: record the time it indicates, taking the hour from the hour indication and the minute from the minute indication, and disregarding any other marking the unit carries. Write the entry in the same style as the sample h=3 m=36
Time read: h=12 m=3
